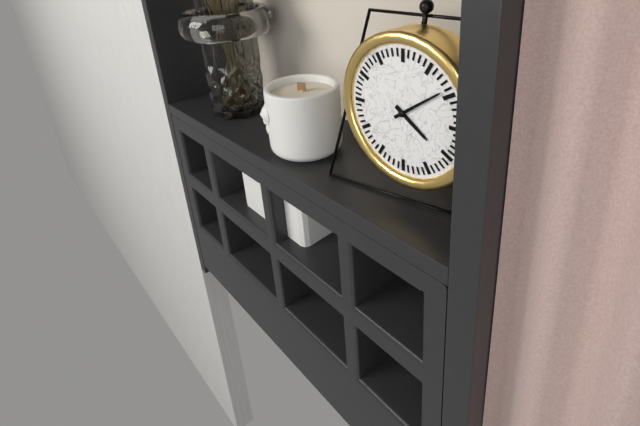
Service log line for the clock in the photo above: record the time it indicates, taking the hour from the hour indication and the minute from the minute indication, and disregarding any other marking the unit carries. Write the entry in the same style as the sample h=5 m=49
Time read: h=4 m=9
